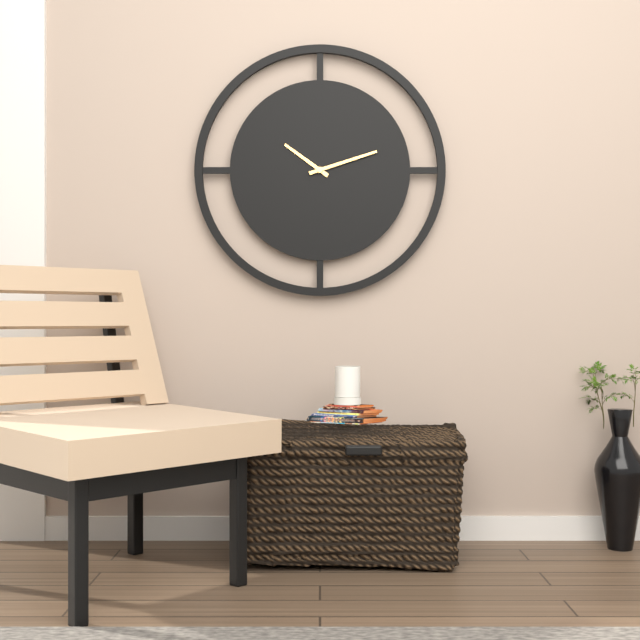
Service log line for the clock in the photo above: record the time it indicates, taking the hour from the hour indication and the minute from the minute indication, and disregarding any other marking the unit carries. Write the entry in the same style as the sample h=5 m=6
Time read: h=10 m=12
